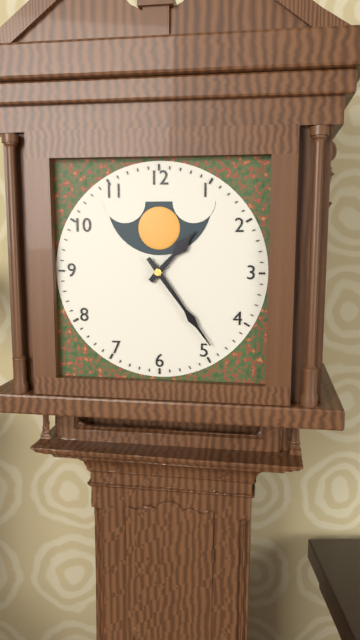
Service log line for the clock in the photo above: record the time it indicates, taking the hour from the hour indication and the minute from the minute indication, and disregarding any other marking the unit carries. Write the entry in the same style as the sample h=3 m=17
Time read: h=1 m=24
